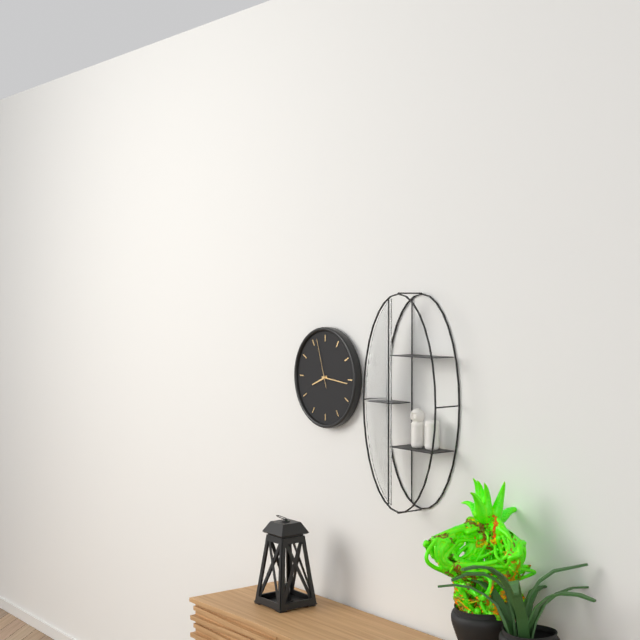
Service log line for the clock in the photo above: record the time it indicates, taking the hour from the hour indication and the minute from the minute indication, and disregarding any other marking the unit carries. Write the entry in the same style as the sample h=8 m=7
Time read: h=8 m=16
